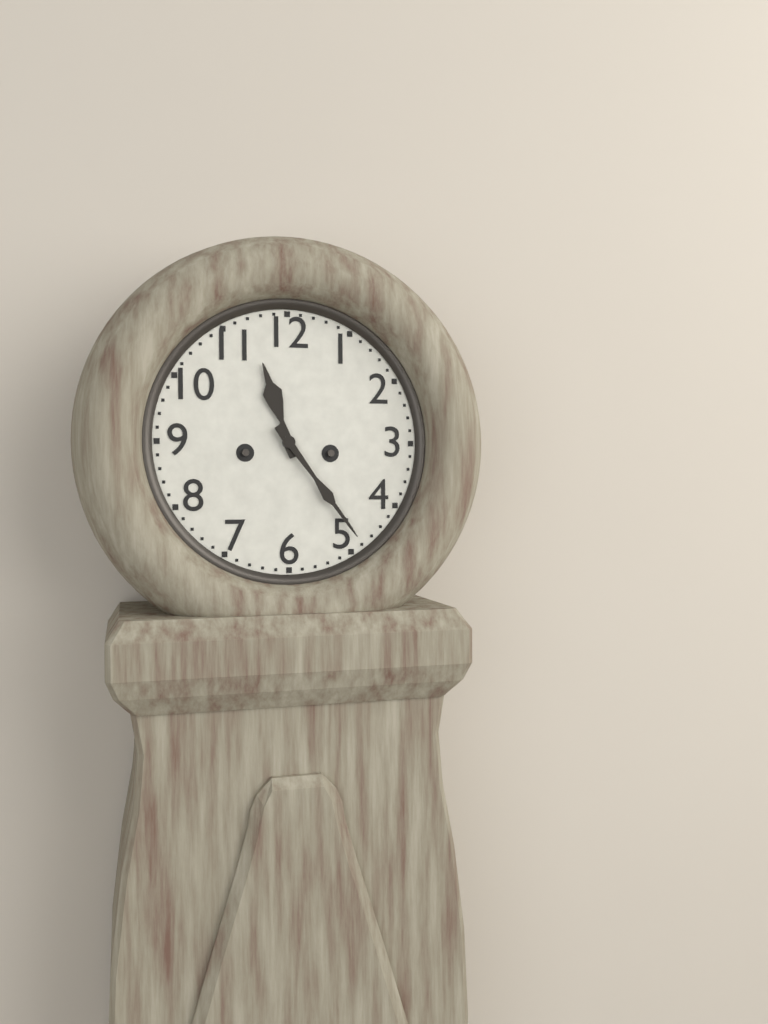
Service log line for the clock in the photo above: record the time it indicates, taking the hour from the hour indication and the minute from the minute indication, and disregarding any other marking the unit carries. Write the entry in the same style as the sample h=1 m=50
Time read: h=11 m=24
